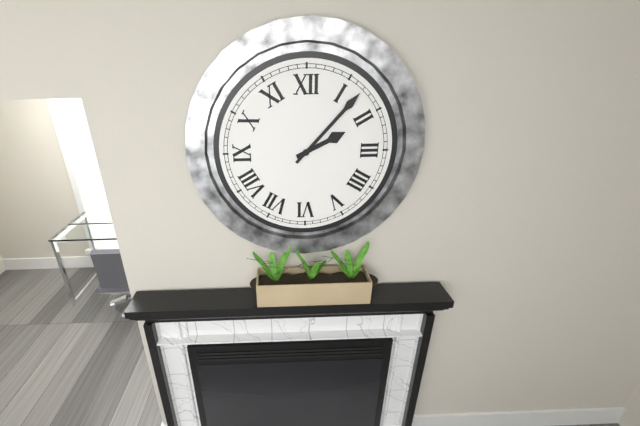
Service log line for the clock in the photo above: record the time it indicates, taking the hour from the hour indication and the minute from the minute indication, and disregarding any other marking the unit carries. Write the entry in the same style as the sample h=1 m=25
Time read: h=2 m=7
